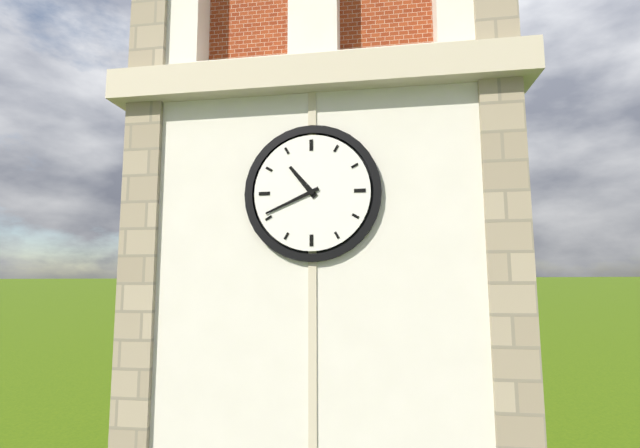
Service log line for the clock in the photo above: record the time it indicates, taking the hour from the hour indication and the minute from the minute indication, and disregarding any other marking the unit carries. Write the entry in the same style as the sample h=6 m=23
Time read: h=10 m=41
